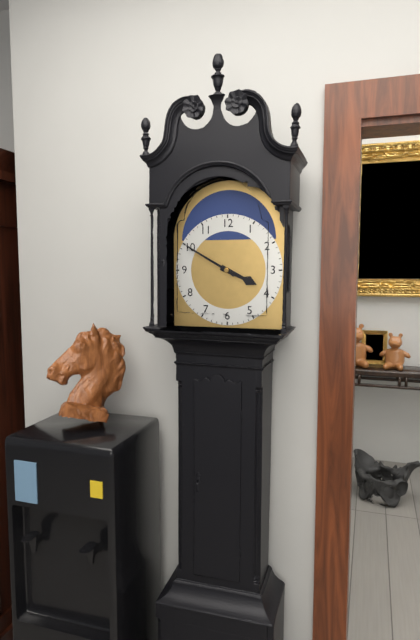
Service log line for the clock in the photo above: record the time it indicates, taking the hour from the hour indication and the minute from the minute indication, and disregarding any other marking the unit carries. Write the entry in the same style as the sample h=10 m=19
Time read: h=3 m=50
